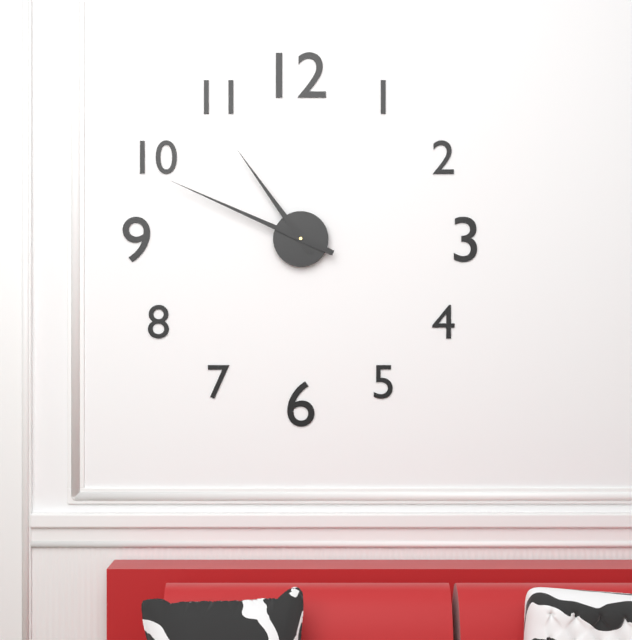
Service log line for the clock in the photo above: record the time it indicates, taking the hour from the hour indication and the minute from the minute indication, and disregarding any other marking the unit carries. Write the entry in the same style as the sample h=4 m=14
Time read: h=10 m=49
